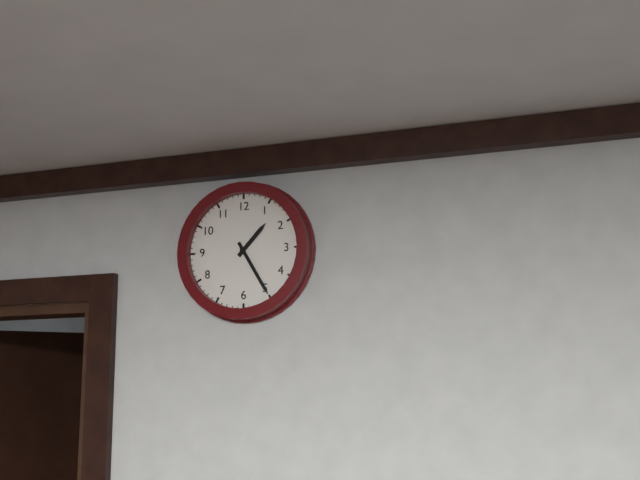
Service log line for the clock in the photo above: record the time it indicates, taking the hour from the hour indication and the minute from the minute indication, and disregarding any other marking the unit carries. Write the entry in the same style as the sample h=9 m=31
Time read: h=1 m=25
